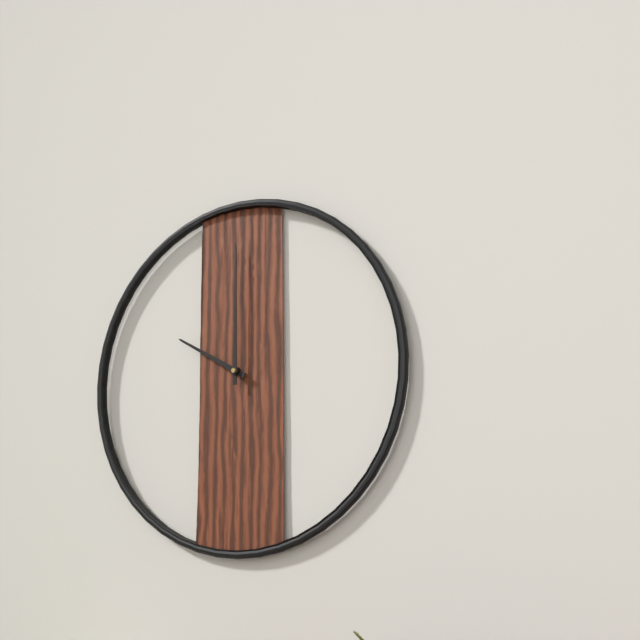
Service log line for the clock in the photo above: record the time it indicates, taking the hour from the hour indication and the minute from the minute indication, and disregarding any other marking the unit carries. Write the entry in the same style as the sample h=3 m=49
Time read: h=10 m=0
